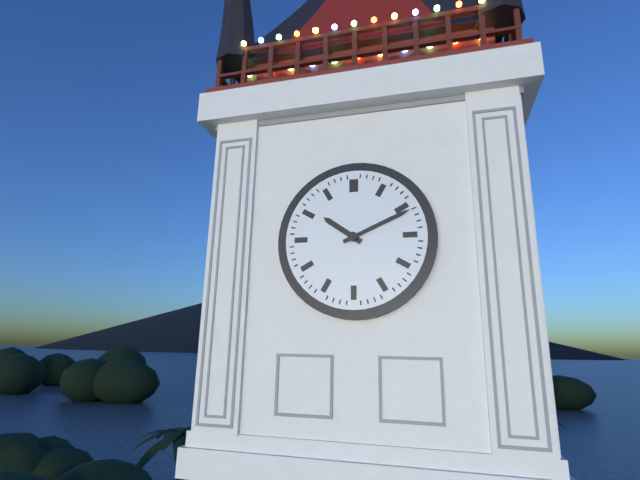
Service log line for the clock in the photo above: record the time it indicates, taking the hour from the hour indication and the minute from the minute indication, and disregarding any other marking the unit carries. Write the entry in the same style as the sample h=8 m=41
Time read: h=10 m=11
